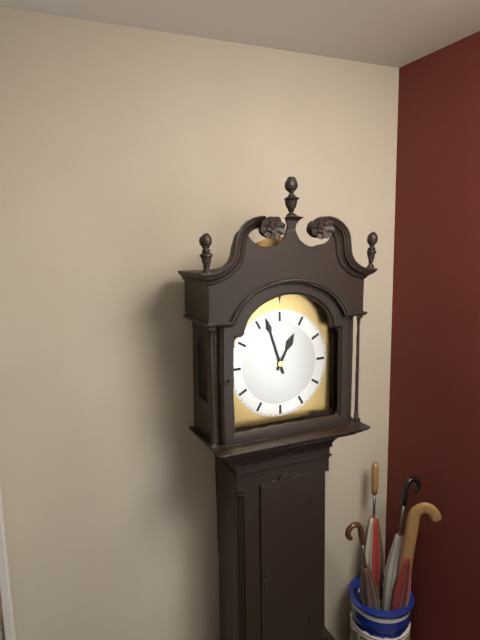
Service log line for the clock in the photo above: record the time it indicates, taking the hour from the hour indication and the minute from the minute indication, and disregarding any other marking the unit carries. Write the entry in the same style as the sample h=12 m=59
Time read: h=12 m=57
